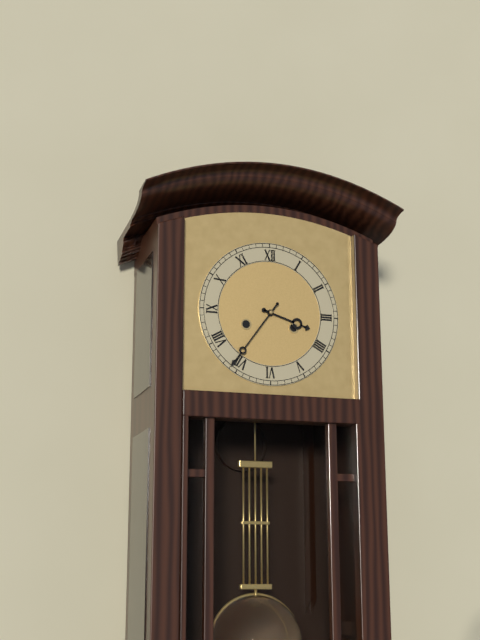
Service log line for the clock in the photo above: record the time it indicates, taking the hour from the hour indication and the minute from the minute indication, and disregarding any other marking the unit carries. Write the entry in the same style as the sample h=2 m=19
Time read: h=3 m=36
